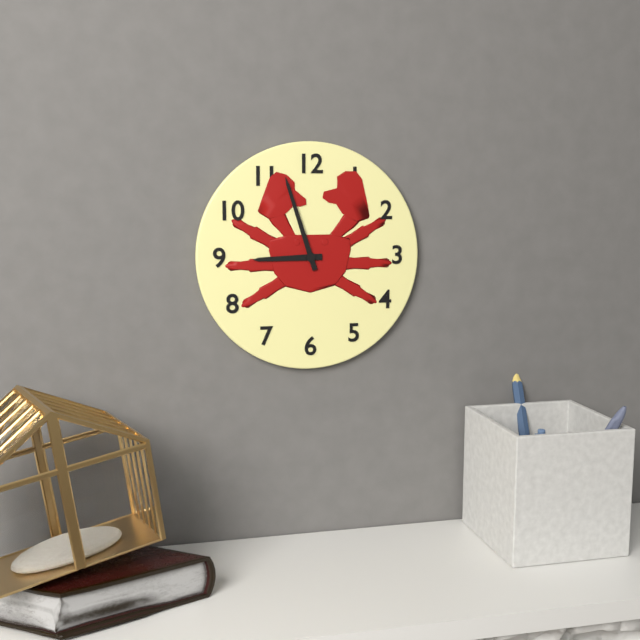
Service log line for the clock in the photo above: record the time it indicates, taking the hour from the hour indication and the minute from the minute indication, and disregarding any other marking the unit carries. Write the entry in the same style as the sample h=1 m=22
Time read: h=8 m=57
